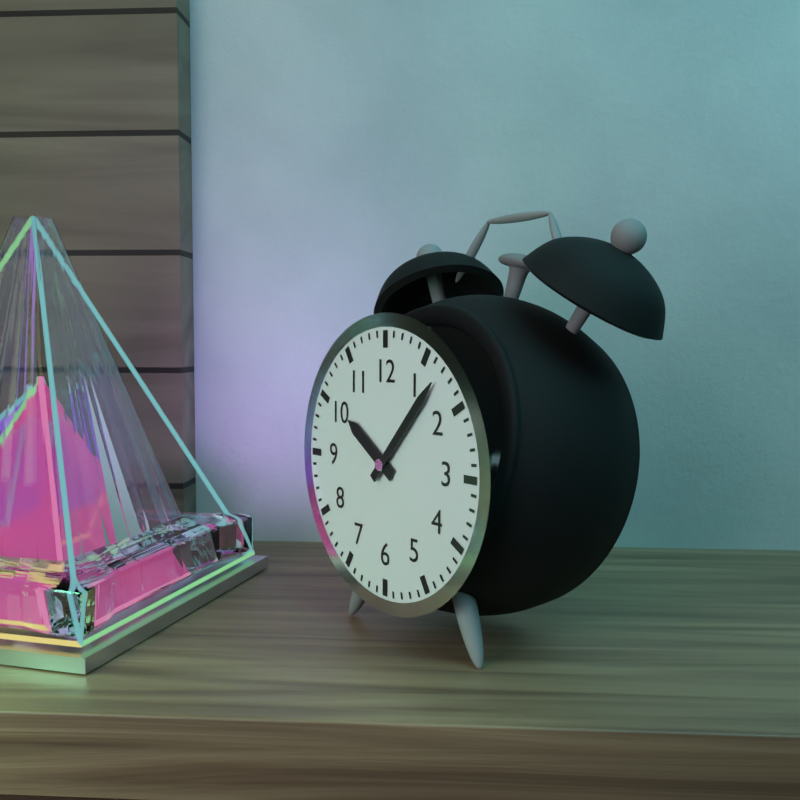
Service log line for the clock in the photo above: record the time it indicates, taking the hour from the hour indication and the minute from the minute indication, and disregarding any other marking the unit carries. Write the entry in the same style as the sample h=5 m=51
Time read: h=10 m=7
